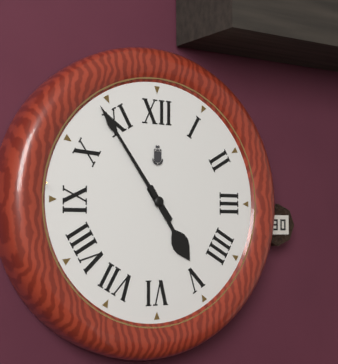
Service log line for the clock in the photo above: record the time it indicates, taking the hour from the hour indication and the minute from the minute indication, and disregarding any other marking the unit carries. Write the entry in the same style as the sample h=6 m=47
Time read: h=4 m=54
